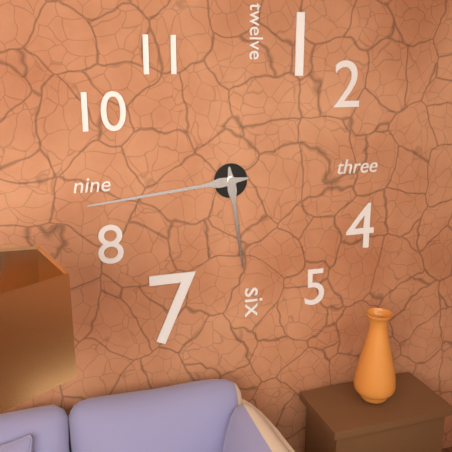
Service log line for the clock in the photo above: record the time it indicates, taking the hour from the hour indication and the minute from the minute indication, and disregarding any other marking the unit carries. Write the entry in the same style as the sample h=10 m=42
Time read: h=5 m=44
